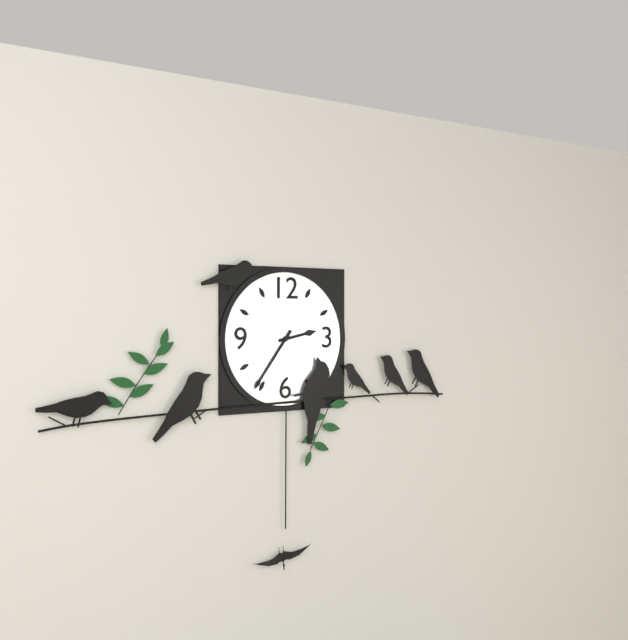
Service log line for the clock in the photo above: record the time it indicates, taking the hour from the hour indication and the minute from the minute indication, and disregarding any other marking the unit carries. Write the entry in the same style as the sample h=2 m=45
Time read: h=2 m=36
